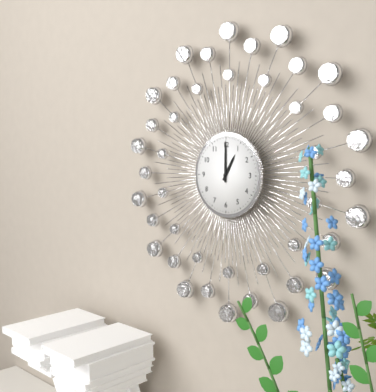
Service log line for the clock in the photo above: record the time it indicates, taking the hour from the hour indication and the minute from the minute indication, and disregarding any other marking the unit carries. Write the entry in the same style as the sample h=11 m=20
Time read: h=1 m=0
